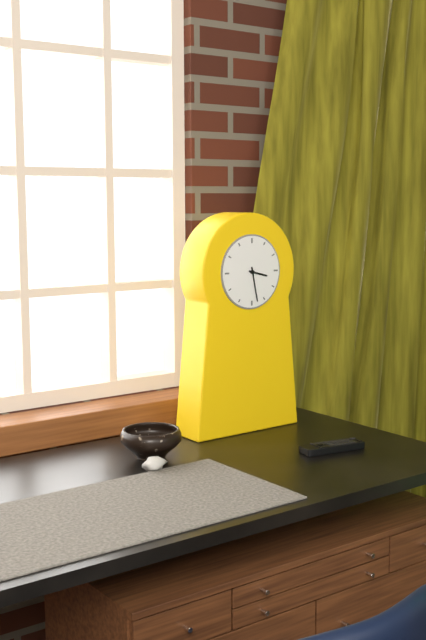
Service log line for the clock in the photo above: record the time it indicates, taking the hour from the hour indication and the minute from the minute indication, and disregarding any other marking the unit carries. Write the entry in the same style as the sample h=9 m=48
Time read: h=3 m=28
